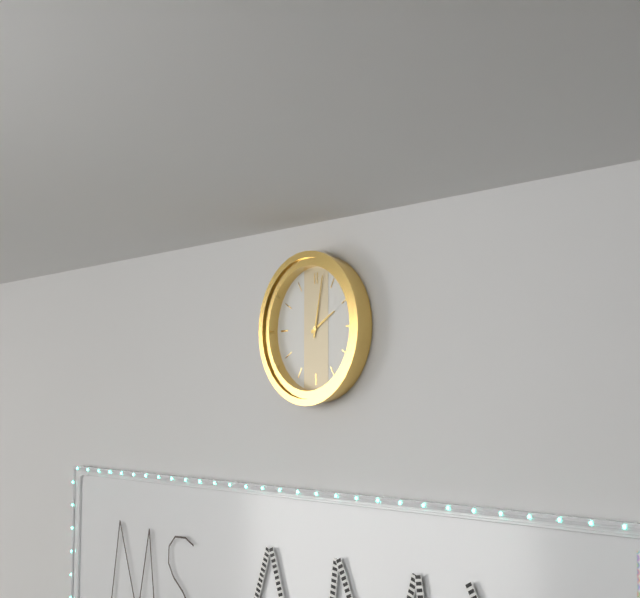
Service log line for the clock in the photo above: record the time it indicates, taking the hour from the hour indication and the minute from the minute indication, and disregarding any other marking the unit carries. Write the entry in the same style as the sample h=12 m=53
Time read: h=2 m=2
